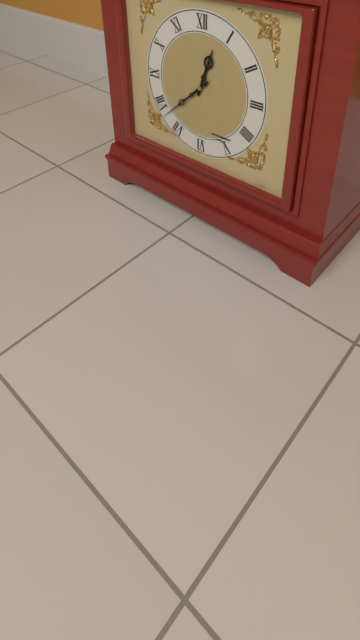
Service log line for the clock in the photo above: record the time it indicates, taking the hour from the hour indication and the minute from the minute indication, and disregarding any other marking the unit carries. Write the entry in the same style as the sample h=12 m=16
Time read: h=12 m=38
